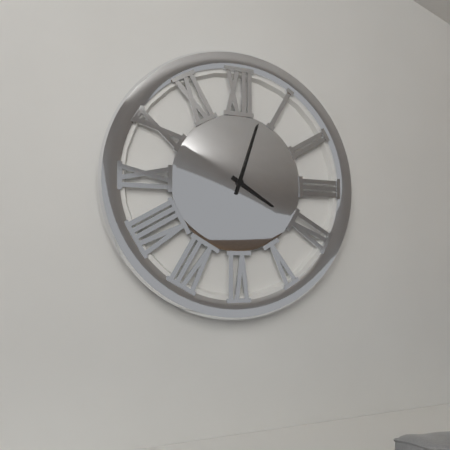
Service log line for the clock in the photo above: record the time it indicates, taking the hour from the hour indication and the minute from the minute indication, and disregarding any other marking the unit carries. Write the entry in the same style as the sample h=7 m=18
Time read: h=4 m=3
